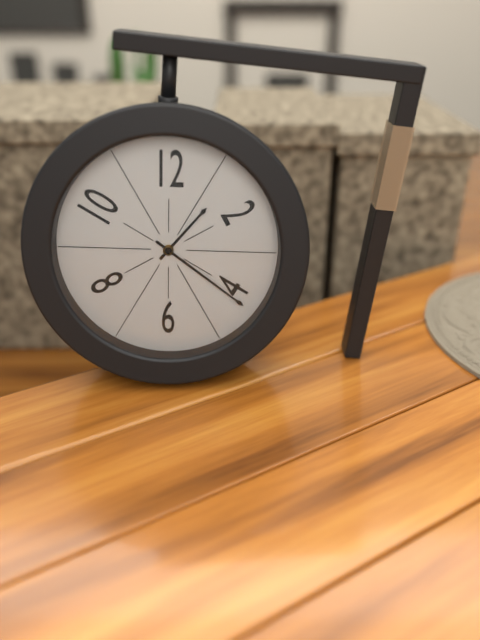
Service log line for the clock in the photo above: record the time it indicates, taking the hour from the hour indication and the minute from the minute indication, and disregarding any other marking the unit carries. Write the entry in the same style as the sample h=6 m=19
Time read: h=1 m=21
